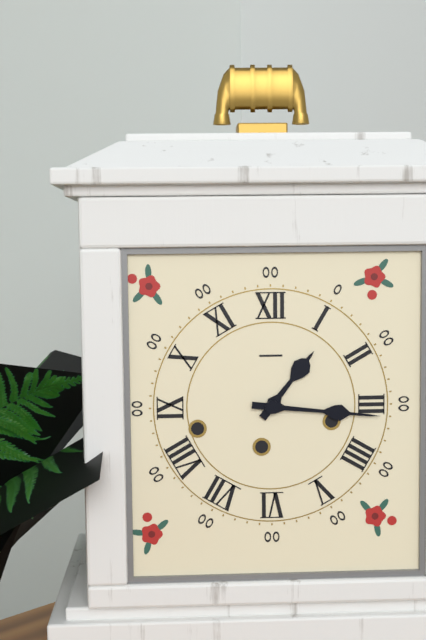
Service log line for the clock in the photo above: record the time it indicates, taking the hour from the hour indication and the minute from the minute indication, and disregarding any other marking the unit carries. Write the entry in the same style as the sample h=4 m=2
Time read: h=1 m=16
